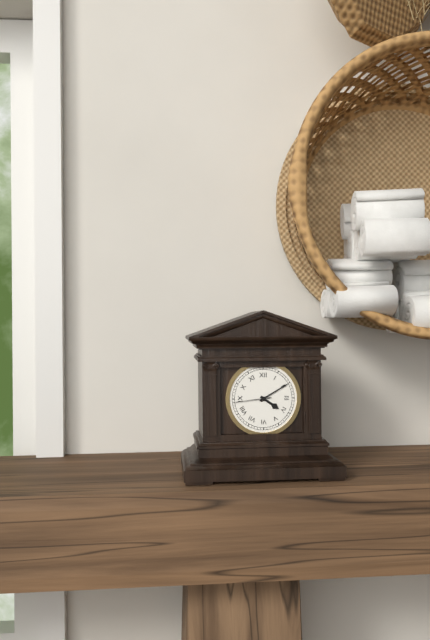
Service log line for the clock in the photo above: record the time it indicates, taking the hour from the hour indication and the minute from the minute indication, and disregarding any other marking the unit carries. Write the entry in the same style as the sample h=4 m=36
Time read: h=4 m=10
